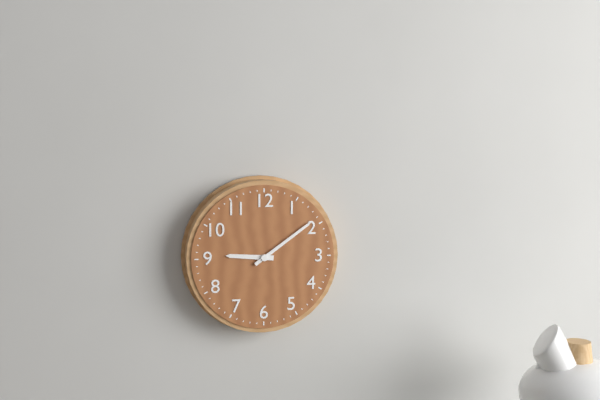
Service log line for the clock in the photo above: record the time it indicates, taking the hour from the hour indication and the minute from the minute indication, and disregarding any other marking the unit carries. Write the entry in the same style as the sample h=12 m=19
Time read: h=9 m=9
